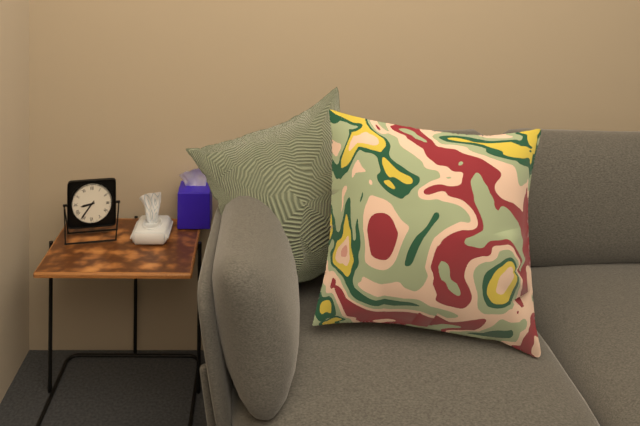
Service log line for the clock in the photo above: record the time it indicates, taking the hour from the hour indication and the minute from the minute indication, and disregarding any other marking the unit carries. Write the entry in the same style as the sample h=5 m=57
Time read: h=8 m=36
